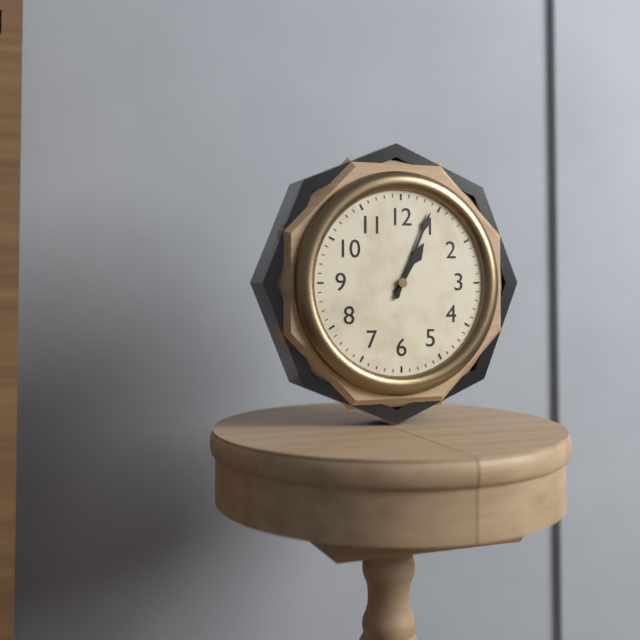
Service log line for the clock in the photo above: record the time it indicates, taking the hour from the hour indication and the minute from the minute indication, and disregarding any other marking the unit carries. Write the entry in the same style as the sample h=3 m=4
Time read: h=1 m=4
